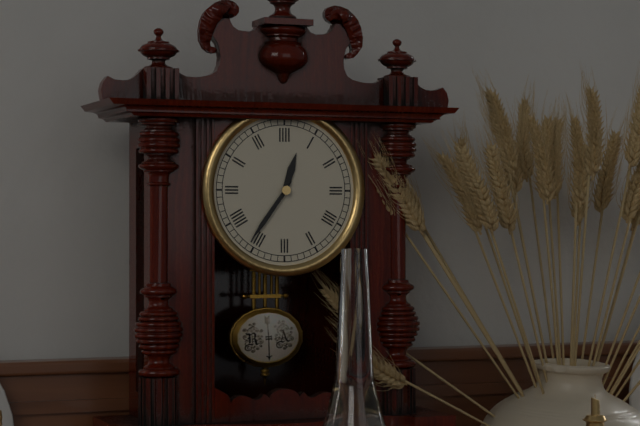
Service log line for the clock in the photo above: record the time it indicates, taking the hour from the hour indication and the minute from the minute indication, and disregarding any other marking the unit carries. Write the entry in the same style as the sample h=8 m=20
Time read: h=12 m=36
